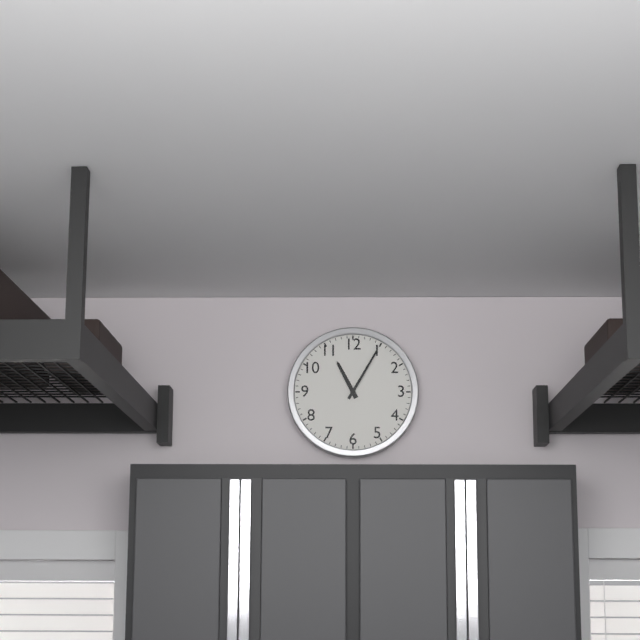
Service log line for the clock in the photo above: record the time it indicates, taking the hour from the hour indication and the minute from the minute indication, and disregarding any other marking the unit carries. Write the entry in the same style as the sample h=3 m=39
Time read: h=11 m=5
